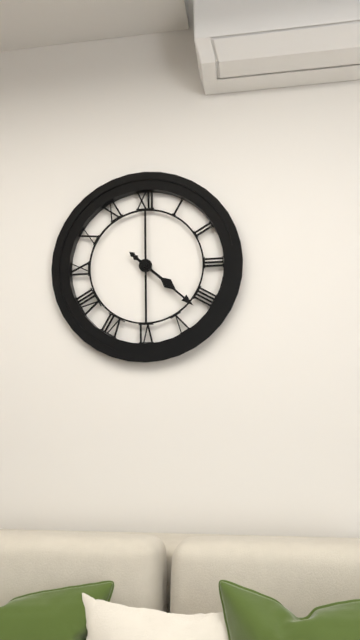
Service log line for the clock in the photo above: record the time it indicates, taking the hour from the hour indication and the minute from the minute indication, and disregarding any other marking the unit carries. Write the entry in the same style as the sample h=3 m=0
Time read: h=4 m=22
